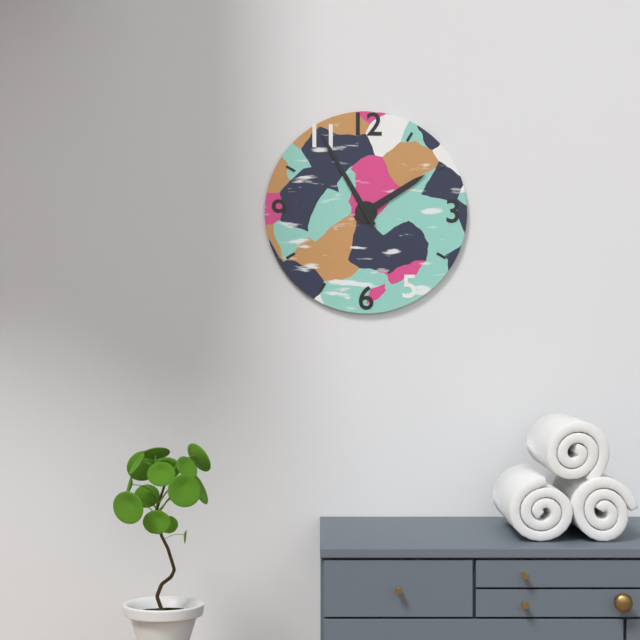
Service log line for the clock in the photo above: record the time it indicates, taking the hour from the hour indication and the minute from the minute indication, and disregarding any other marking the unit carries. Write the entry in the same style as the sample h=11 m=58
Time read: h=1 m=55
